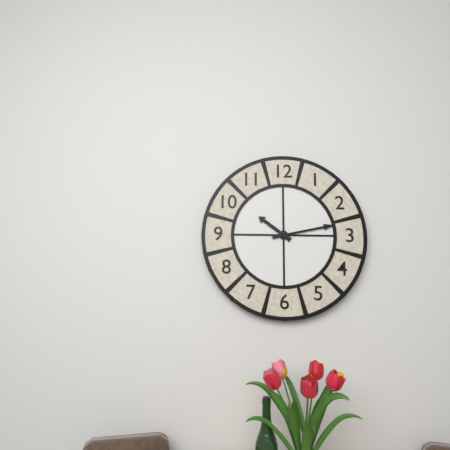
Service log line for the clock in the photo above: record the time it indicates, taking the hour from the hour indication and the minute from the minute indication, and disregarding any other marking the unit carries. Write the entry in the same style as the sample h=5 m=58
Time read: h=10 m=13
